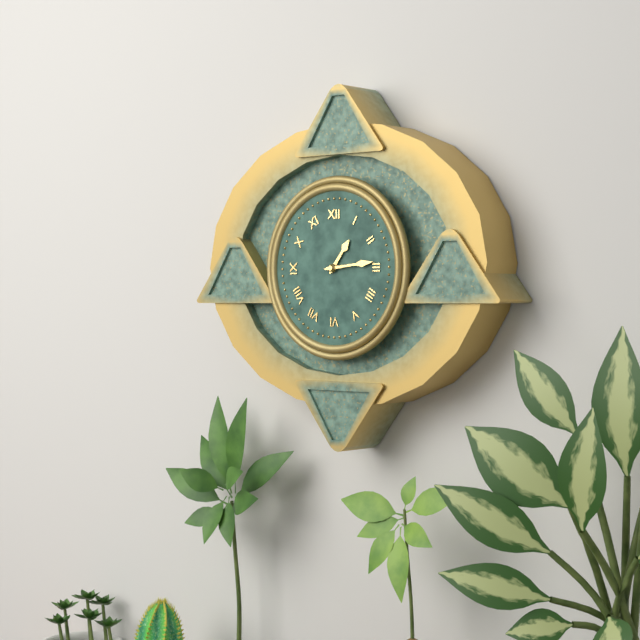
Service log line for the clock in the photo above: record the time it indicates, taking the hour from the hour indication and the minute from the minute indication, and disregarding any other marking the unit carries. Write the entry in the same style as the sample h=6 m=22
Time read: h=1 m=14
